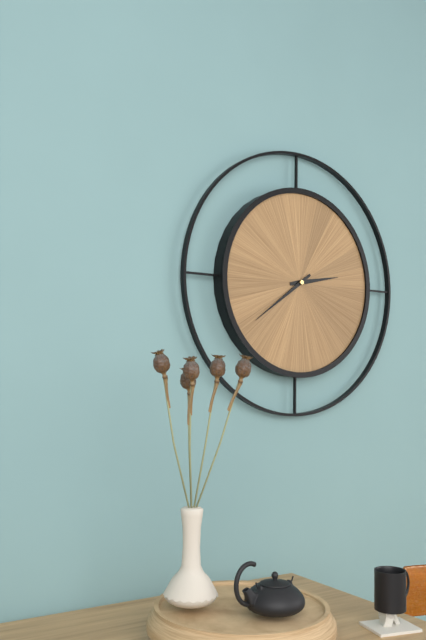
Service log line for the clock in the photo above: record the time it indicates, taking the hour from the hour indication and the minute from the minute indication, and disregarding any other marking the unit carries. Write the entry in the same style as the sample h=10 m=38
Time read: h=2 m=39
